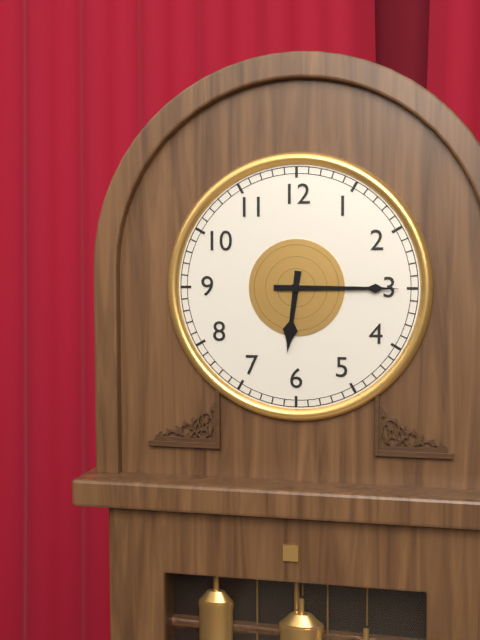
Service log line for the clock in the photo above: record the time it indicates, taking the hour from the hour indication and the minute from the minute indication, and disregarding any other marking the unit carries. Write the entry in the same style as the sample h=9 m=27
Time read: h=6 m=15
